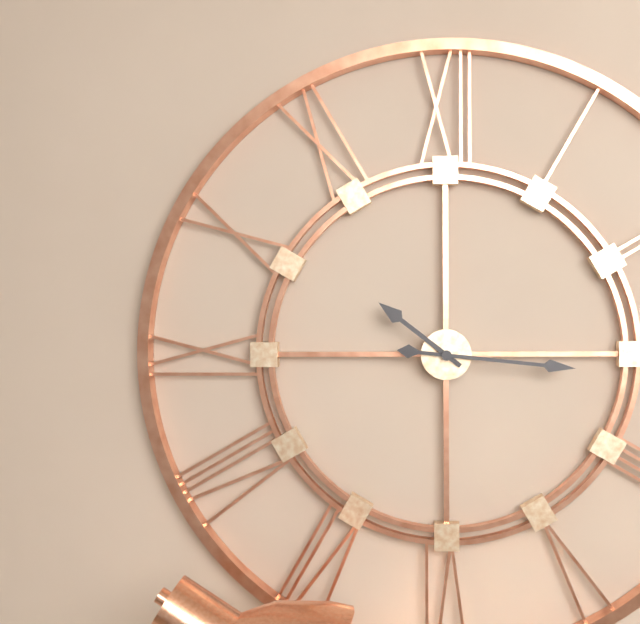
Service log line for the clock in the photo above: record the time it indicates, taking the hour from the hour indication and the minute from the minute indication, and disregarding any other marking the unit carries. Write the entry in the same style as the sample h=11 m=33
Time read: h=10 m=16
